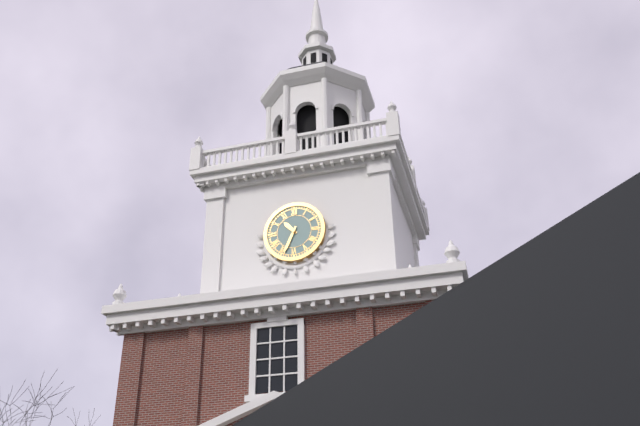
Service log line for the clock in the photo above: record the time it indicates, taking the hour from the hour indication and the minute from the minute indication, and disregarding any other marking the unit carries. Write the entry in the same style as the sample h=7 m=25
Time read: h=10 m=34
